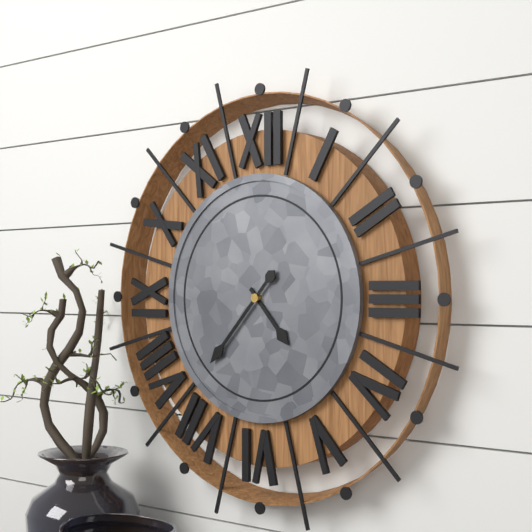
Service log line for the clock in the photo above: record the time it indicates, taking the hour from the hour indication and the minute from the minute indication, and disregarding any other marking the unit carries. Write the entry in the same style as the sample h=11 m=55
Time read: h=4 m=37
